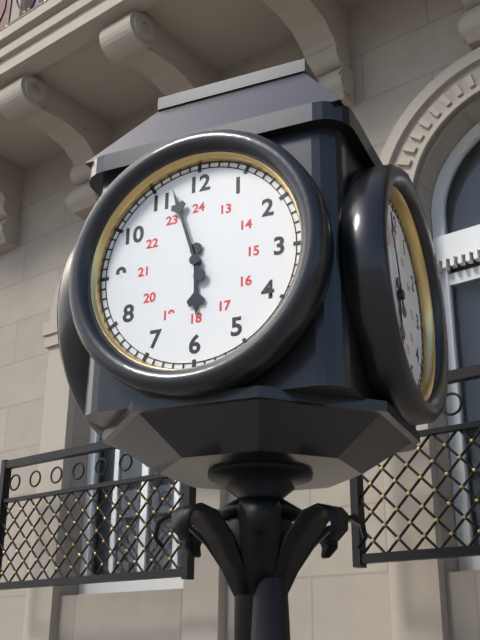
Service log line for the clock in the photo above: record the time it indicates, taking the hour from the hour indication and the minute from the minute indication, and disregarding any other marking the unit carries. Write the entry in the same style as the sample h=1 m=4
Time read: h=5 m=57
